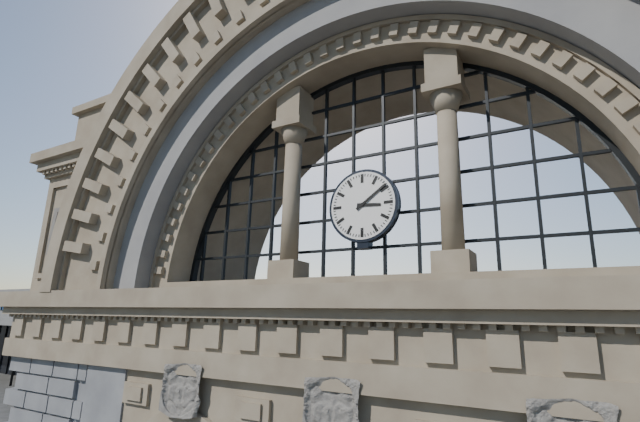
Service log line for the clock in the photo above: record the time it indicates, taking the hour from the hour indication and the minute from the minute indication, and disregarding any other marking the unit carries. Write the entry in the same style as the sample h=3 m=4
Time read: h=3 m=9
